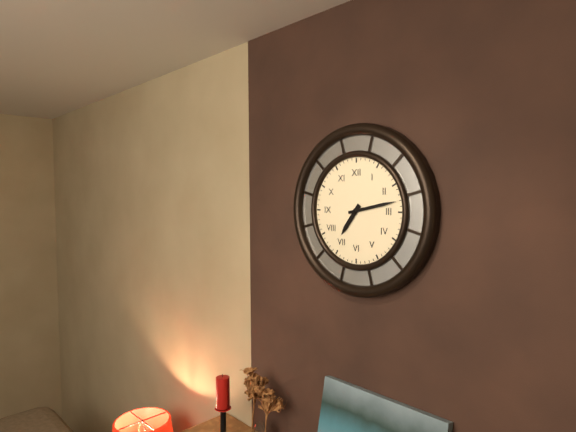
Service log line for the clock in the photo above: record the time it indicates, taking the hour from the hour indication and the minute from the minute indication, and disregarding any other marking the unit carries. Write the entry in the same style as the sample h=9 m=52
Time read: h=7 m=13
